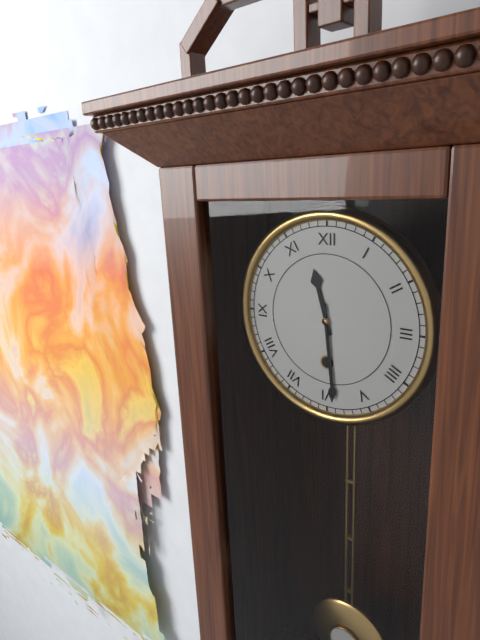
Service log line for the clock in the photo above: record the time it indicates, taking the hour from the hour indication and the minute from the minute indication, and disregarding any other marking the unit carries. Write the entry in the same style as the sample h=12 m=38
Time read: h=11 m=29
